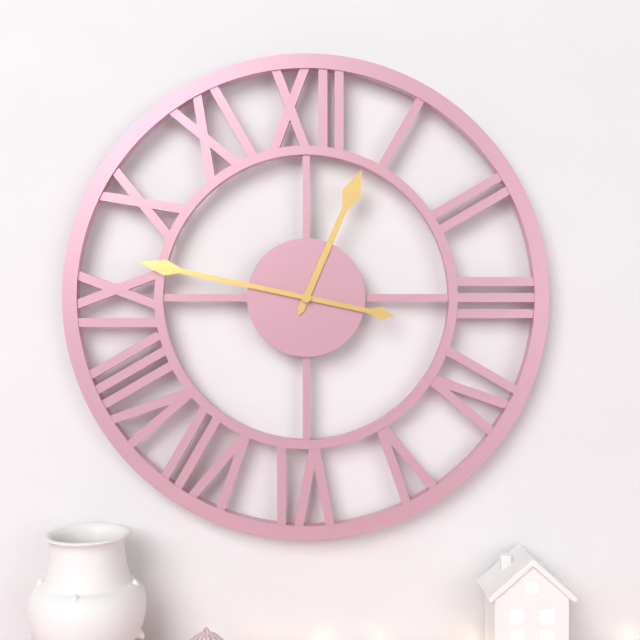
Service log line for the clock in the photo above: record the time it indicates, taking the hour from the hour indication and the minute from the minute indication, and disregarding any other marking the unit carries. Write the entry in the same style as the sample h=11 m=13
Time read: h=12 m=47
